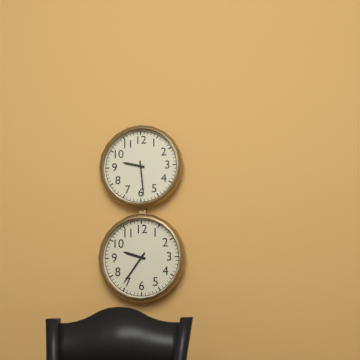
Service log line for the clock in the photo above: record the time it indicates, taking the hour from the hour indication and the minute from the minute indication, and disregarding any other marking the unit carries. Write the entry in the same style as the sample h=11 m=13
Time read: h=9 m=29
